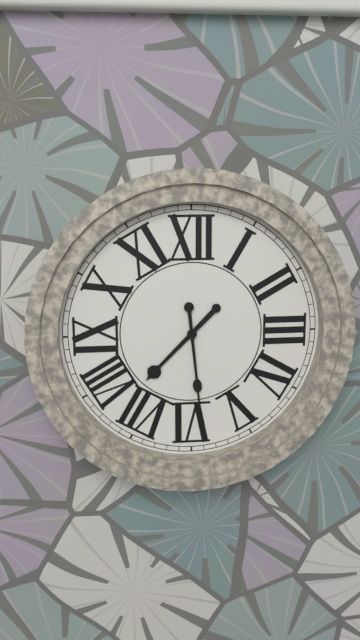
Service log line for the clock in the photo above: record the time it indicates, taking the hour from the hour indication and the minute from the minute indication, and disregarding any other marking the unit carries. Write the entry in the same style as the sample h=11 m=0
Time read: h=7 m=29
